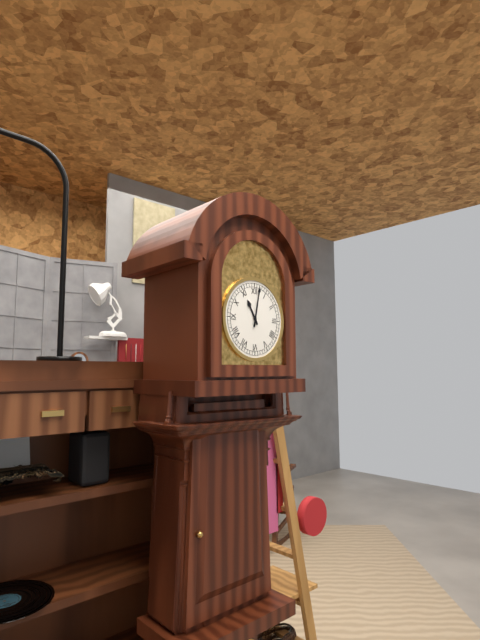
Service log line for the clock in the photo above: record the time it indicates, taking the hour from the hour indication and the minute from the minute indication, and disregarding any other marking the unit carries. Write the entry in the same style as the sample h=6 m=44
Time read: h=11 m=2
